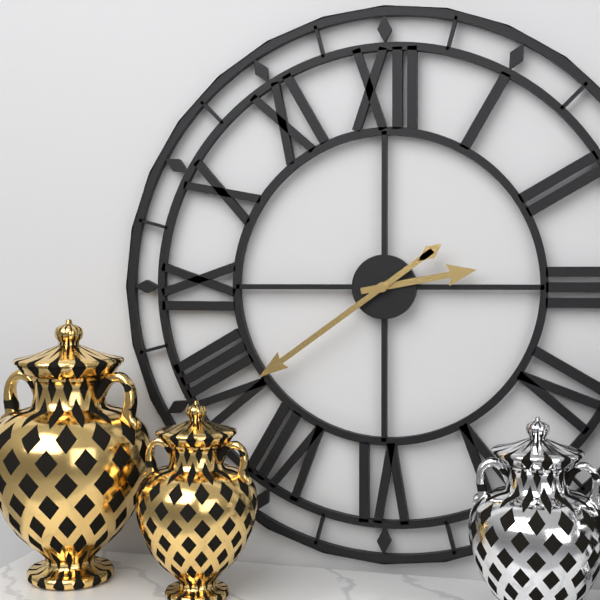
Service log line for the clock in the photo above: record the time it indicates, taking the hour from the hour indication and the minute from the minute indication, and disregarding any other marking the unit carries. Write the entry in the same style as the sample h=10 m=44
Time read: h=2 m=39
